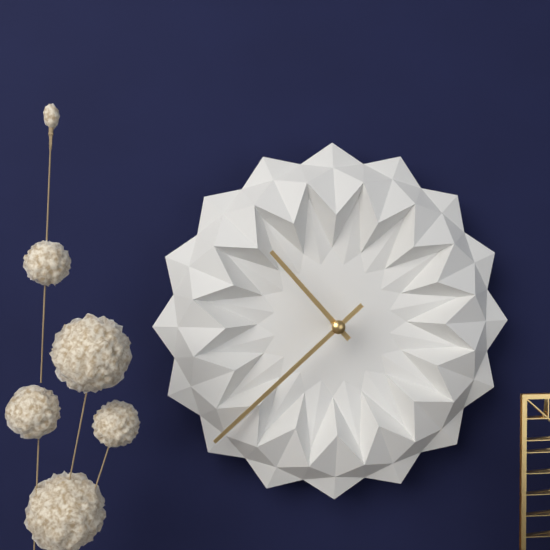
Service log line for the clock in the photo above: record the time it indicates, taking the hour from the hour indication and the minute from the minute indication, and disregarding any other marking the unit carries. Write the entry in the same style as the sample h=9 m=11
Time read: h=10 m=38
